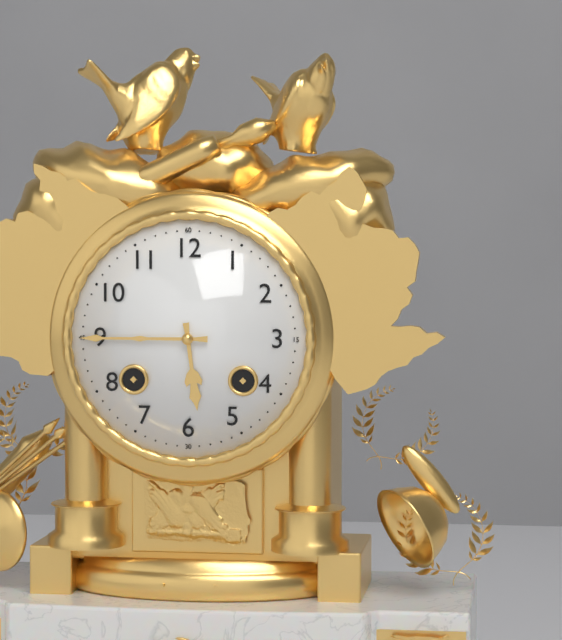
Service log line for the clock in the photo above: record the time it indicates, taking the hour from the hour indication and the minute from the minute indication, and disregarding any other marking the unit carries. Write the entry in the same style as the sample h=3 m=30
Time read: h=5 m=45
